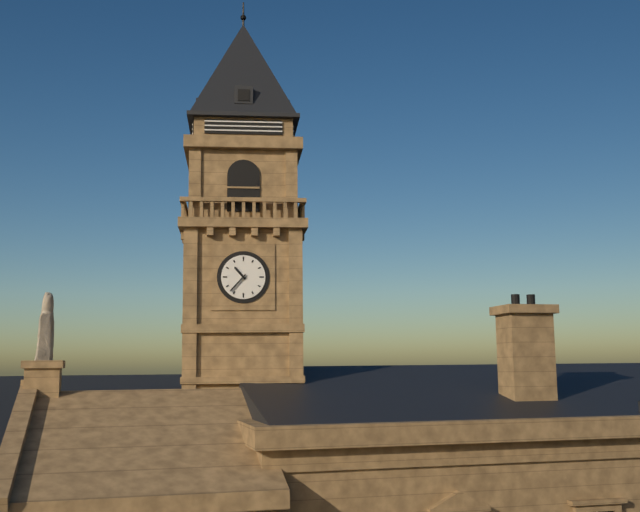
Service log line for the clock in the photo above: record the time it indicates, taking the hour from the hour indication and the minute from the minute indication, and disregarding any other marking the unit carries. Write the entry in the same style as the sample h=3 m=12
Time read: h=10 m=37
